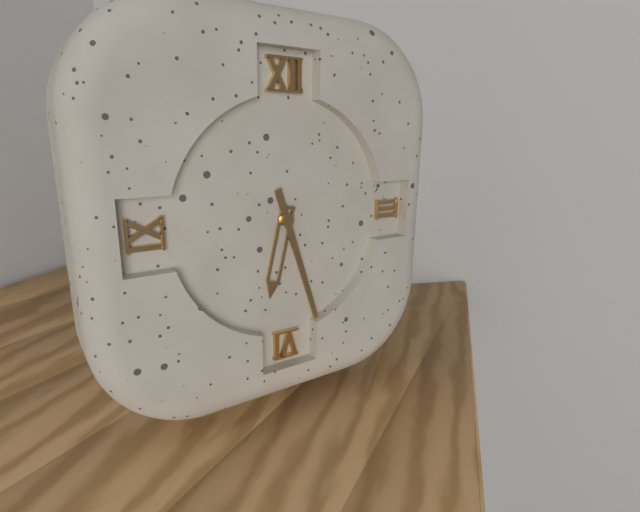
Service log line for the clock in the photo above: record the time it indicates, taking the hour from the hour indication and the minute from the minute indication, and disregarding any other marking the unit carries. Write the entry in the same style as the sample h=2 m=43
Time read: h=6 m=27
